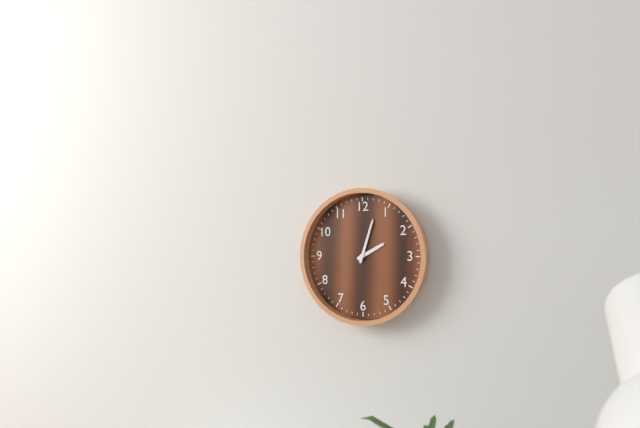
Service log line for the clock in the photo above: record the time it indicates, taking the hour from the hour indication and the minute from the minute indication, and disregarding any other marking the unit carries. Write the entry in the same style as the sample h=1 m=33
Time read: h=2 m=3
